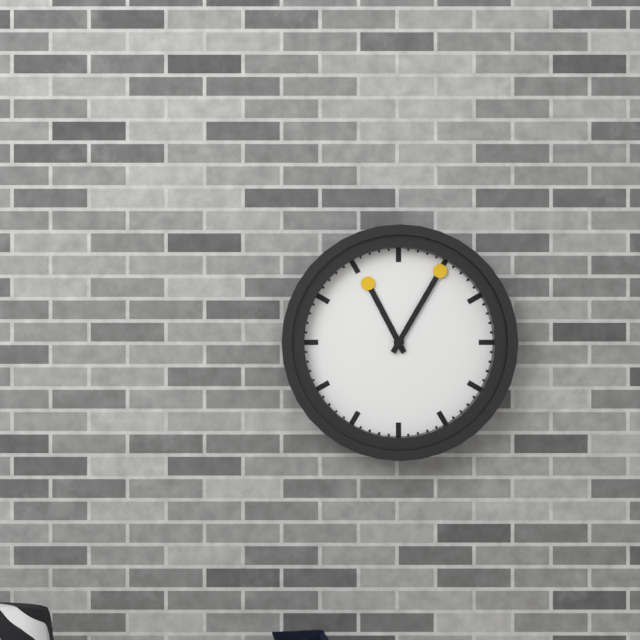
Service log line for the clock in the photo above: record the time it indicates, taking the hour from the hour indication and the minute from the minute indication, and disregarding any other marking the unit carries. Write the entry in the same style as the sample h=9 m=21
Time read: h=11 m=5
